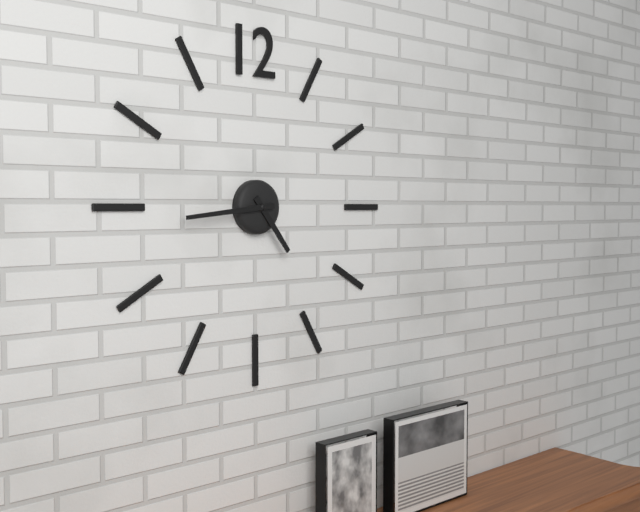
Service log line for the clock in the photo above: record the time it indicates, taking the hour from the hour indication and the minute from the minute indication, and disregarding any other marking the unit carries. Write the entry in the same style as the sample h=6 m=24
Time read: h=4 m=44
